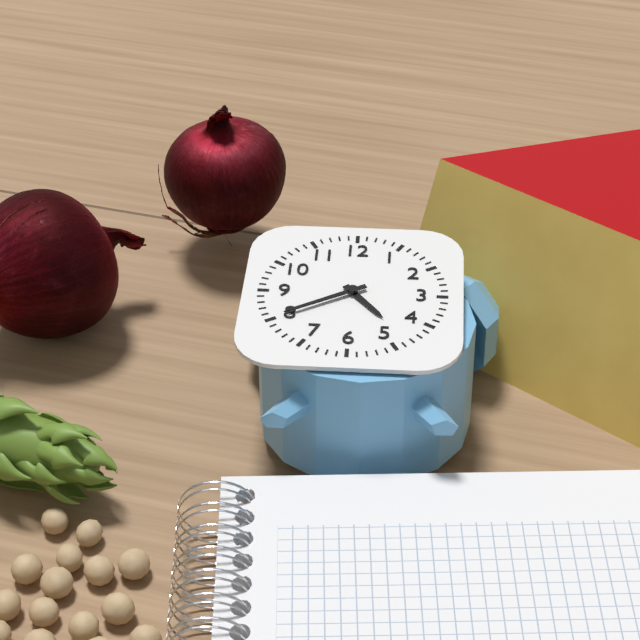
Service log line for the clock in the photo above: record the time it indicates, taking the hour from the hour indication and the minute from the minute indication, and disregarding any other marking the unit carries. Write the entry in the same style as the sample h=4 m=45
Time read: h=4 m=40
